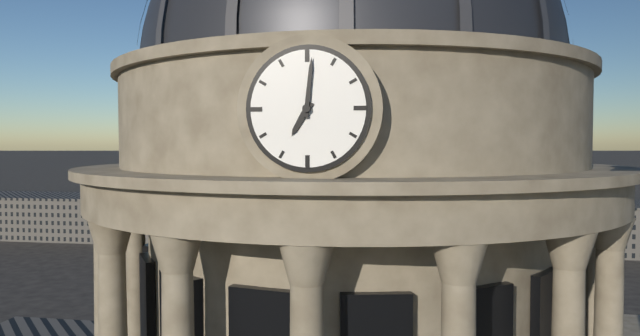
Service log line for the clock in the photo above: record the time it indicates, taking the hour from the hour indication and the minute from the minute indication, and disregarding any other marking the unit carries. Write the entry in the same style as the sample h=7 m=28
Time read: h=7 m=1
